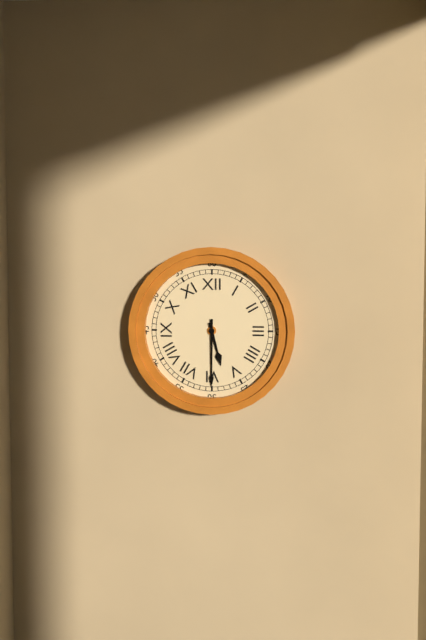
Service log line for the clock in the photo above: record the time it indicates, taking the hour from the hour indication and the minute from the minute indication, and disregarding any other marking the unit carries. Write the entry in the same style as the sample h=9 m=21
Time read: h=5 m=30
